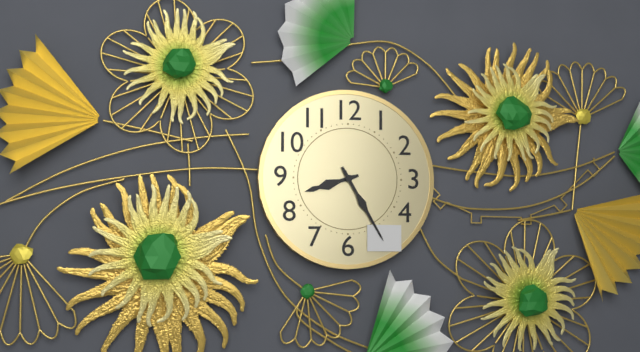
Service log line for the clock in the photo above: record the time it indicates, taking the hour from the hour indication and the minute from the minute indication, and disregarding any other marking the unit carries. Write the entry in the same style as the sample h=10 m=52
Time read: h=8 m=25
